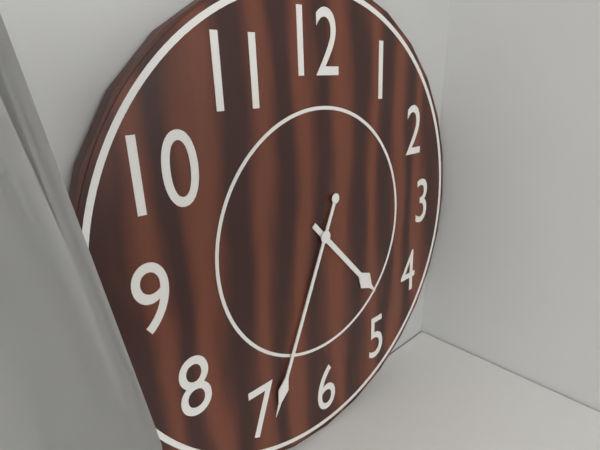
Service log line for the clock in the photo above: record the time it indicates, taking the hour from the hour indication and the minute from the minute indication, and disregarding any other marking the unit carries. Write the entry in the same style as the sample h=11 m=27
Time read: h=4 m=34
